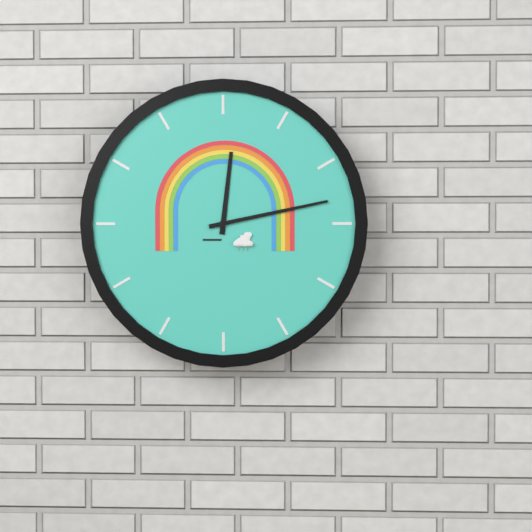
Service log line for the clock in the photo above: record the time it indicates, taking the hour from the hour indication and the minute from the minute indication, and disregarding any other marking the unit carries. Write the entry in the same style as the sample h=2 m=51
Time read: h=12 m=13
